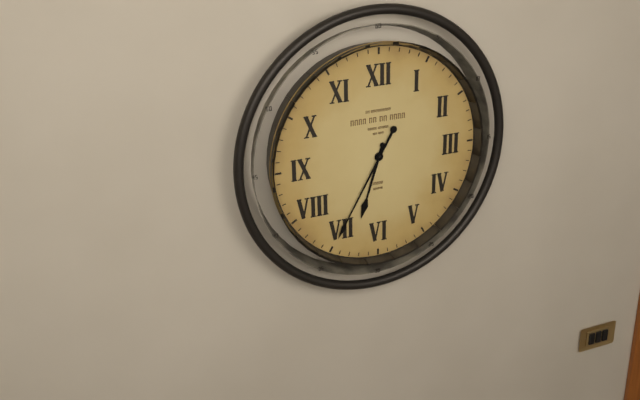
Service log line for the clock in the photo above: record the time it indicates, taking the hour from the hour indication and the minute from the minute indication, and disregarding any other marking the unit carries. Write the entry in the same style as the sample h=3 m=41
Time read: h=6 m=35
